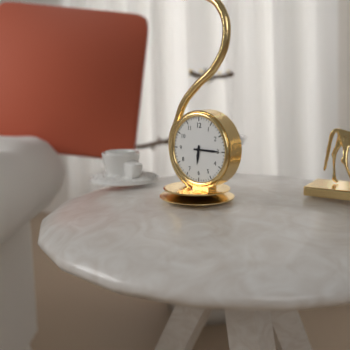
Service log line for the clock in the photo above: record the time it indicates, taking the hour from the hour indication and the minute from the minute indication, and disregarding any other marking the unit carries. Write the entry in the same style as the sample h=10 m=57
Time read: h=6 m=15
